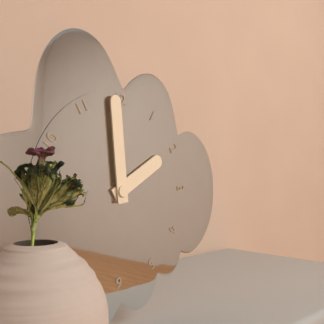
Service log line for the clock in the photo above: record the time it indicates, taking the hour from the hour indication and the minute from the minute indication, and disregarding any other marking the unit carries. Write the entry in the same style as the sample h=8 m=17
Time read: h=1 m=59
